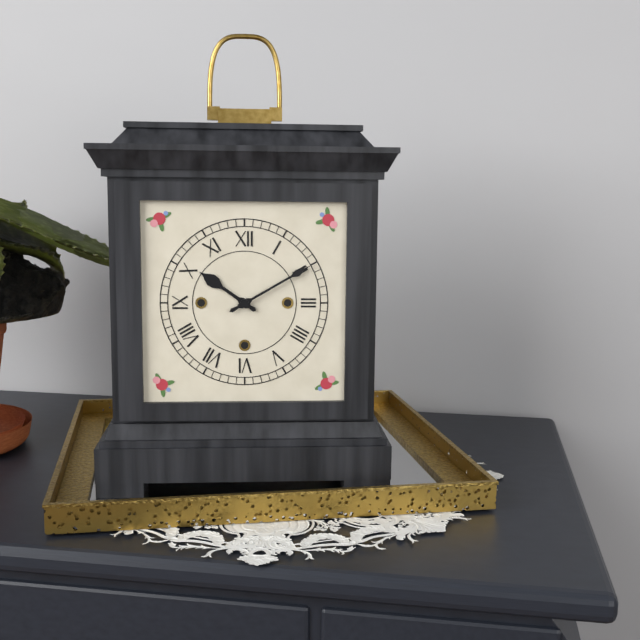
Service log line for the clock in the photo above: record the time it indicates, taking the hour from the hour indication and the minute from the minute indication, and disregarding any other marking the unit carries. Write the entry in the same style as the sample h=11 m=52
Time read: h=10 m=10
